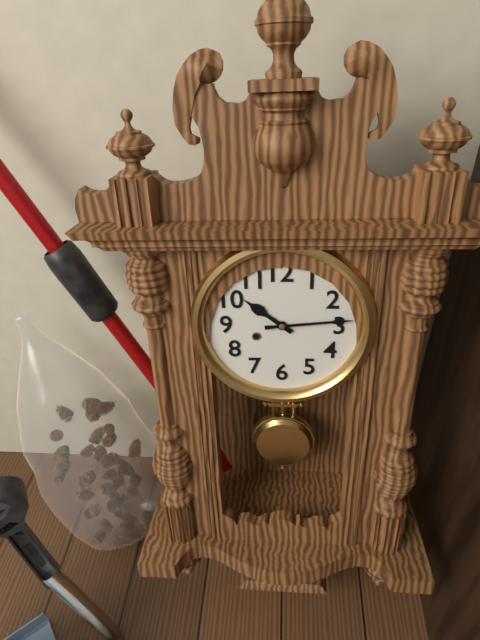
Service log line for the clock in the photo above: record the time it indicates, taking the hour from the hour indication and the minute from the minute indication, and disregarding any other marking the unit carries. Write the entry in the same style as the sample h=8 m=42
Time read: h=10 m=14
